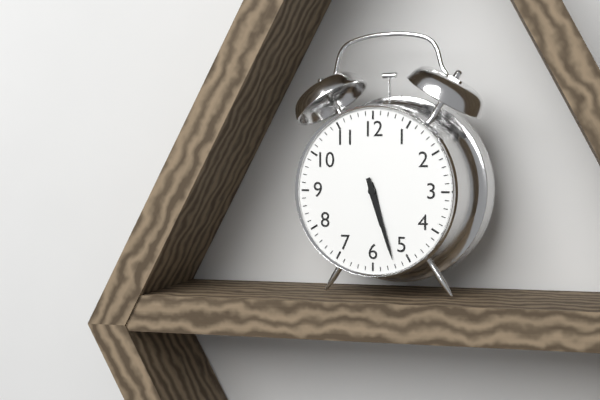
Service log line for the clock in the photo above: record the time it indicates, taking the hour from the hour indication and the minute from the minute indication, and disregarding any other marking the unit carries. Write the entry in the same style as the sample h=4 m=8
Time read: h=5 m=27
